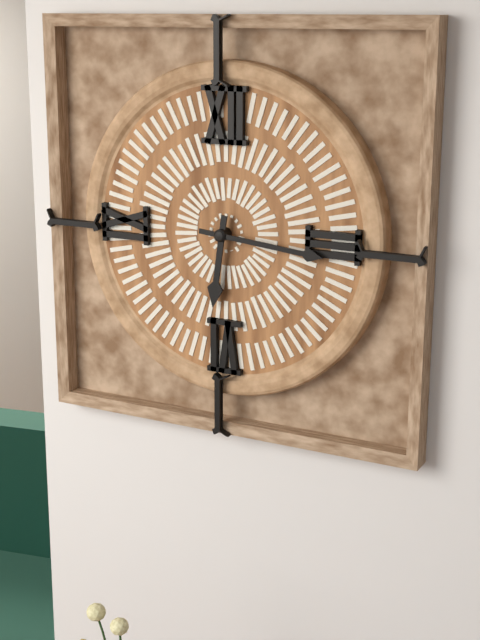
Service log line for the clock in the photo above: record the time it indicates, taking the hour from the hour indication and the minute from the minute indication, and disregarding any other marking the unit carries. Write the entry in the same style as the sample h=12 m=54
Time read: h=6 m=16
